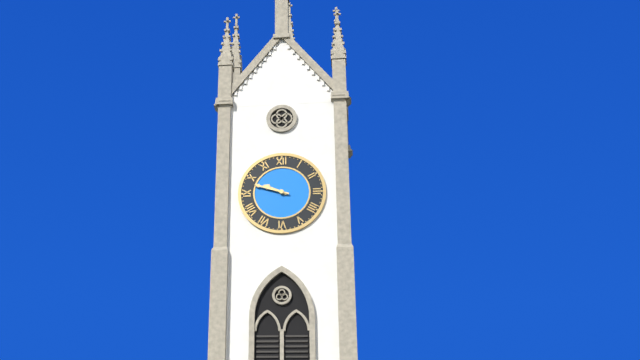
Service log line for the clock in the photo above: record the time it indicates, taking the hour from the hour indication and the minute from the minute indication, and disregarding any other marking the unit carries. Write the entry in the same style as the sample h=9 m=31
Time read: h=9 m=48
